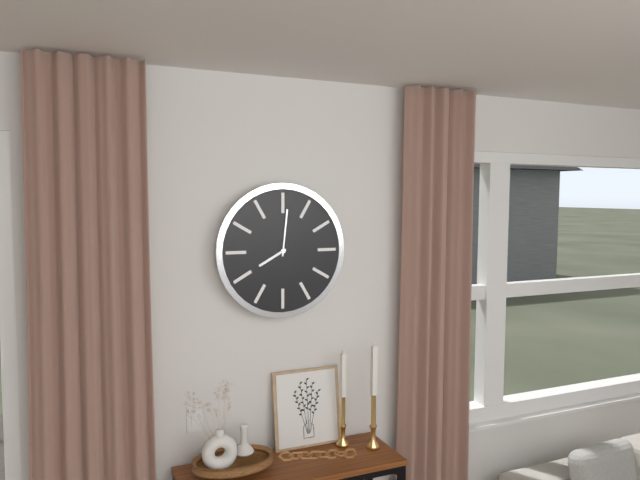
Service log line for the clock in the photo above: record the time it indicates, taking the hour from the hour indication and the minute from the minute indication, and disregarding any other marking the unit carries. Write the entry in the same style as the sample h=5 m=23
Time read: h=8 m=1
